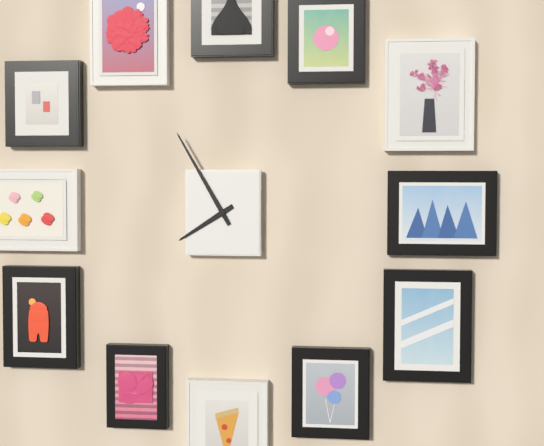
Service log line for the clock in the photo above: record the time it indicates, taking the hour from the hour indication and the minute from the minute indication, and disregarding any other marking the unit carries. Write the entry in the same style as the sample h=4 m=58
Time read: h=7 m=55
